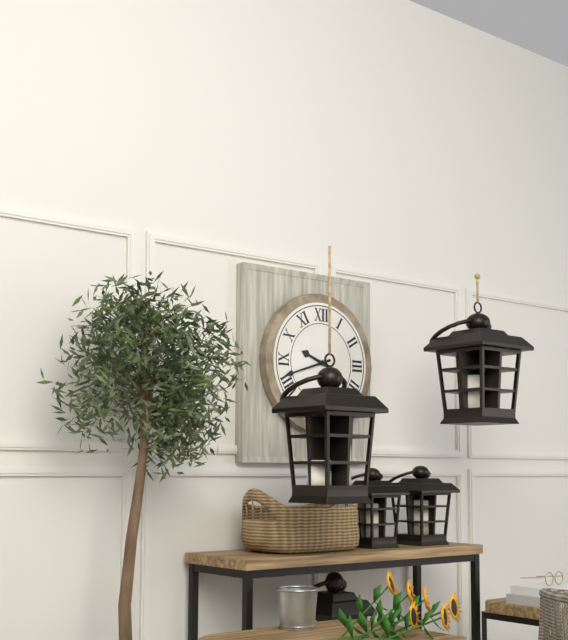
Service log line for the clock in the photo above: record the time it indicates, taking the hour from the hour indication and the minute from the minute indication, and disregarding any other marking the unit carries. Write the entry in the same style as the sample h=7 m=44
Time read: h=9 m=42
